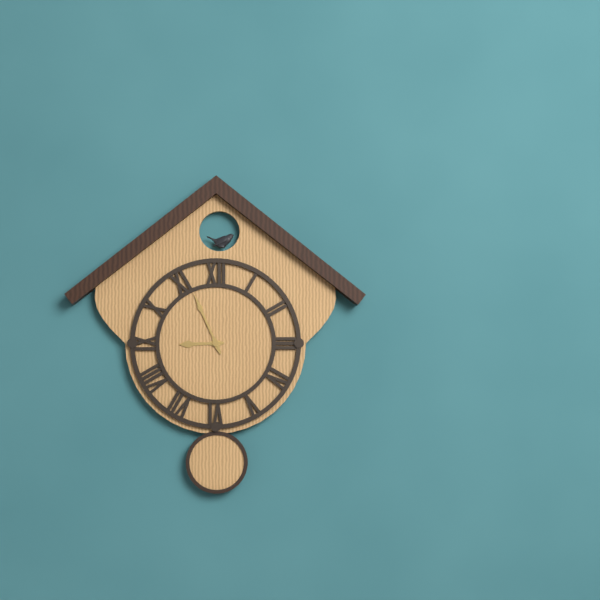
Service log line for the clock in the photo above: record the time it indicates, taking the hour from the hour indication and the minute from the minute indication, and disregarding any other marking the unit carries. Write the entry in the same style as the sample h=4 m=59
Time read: h=8 m=56
